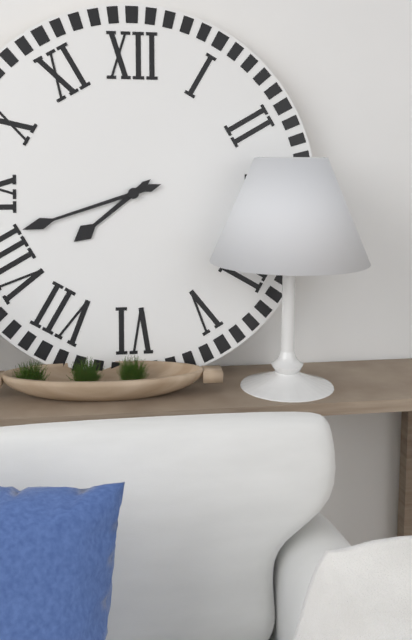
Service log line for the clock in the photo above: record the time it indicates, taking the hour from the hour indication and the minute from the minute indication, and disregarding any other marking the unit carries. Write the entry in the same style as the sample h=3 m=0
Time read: h=7 m=42
